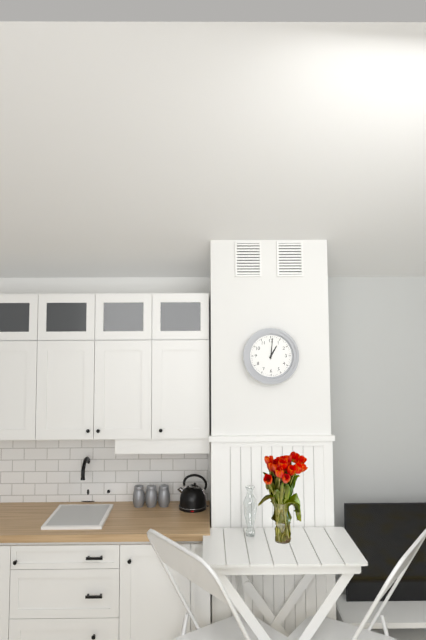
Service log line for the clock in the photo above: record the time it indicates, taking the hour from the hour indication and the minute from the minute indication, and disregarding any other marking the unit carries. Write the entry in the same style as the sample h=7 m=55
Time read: h=1 m=1
